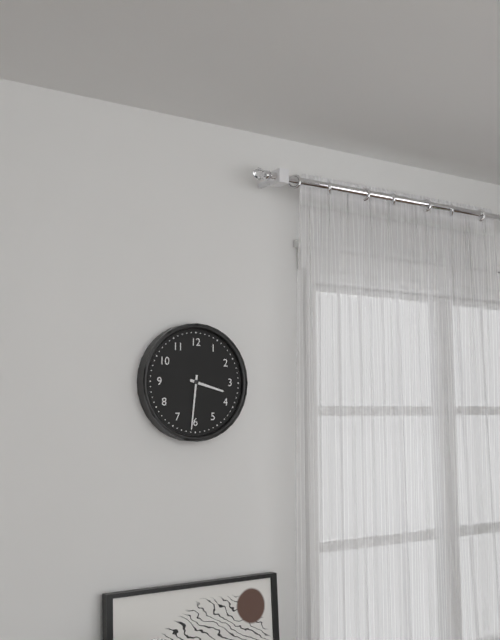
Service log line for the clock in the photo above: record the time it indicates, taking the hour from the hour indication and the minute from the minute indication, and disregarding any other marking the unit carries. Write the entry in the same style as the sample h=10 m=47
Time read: h=3 m=31
